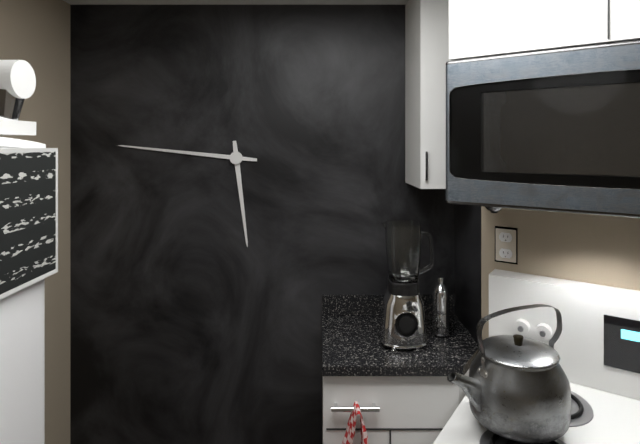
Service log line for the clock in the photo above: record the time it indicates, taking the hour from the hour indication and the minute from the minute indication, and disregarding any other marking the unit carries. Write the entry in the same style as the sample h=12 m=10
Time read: h=5 m=46
